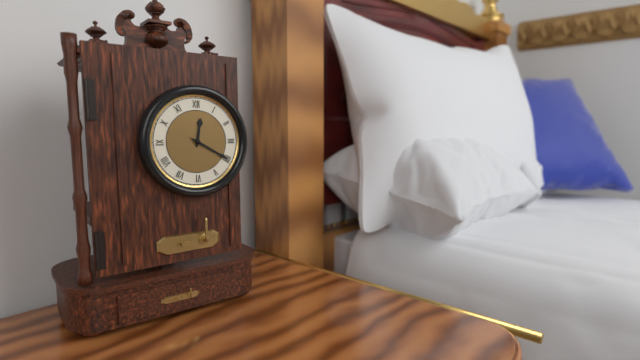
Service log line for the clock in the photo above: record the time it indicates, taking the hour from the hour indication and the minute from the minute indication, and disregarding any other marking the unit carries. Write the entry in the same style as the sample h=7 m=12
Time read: h=12 m=20
